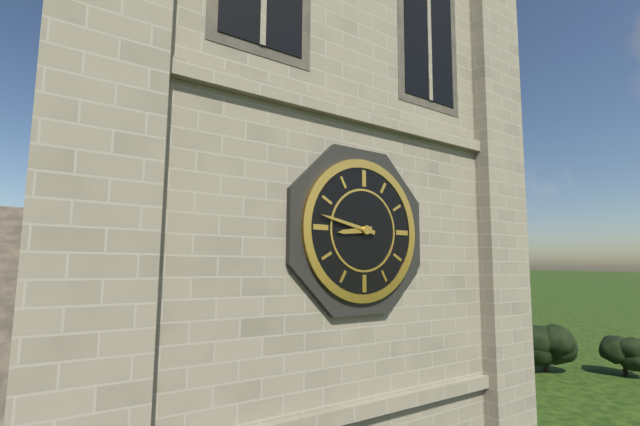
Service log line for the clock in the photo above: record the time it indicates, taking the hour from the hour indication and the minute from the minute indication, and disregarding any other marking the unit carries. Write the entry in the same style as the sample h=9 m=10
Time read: h=8 m=47
